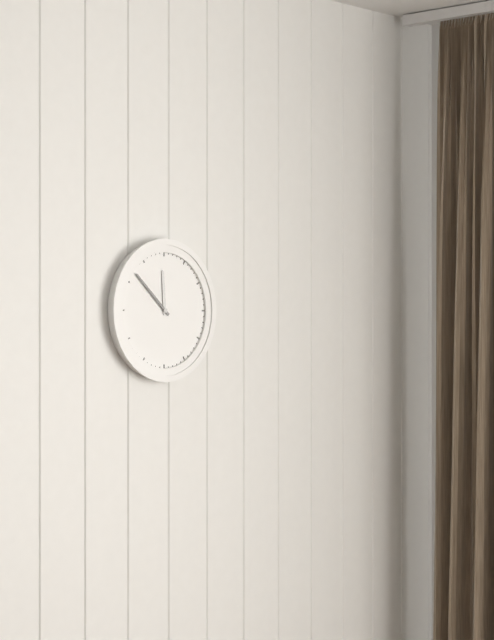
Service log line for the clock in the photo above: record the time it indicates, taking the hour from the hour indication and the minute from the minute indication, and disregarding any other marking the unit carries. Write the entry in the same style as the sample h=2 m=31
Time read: h=11 m=52
